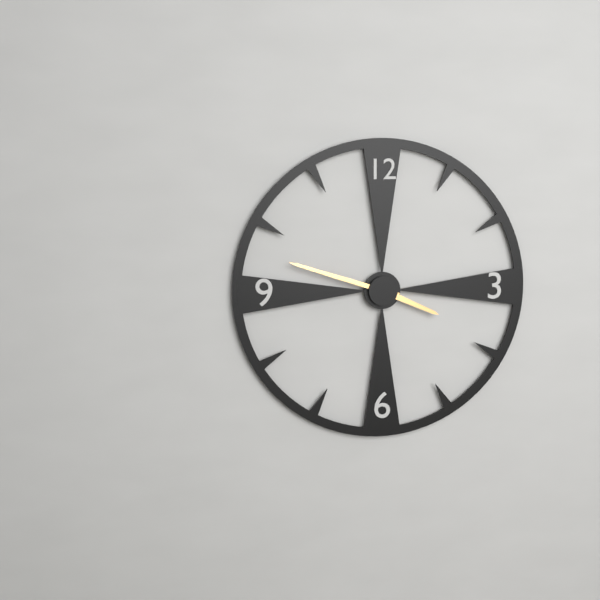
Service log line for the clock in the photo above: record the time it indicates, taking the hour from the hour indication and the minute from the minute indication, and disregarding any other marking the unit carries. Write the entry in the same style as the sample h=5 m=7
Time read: h=3 m=48
